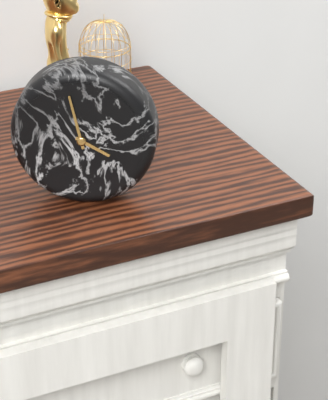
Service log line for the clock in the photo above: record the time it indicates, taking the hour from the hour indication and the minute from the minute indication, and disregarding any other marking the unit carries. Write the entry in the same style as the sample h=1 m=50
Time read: h=3 m=58
